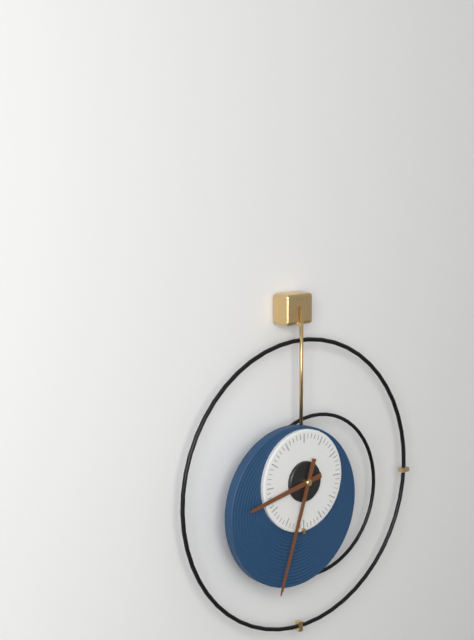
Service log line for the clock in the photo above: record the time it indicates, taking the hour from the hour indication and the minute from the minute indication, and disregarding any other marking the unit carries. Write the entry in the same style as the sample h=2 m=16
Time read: h=8 m=33
